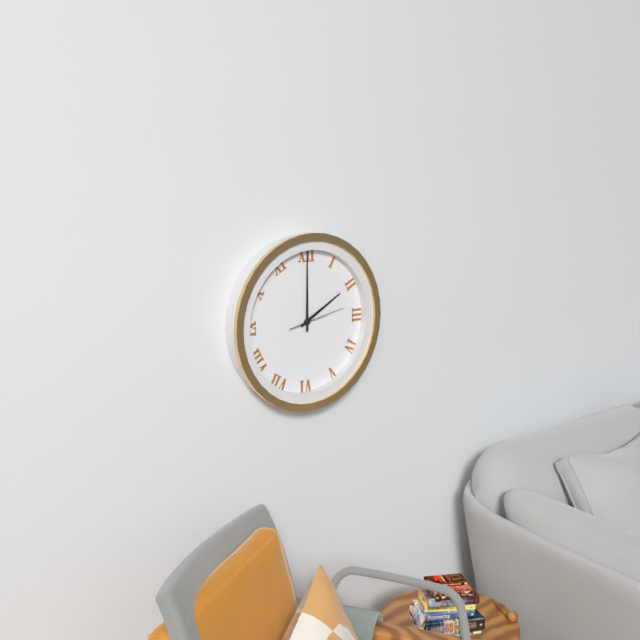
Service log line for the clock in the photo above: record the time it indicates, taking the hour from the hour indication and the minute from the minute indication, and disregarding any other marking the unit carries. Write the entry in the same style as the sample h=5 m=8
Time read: h=2 m=0
